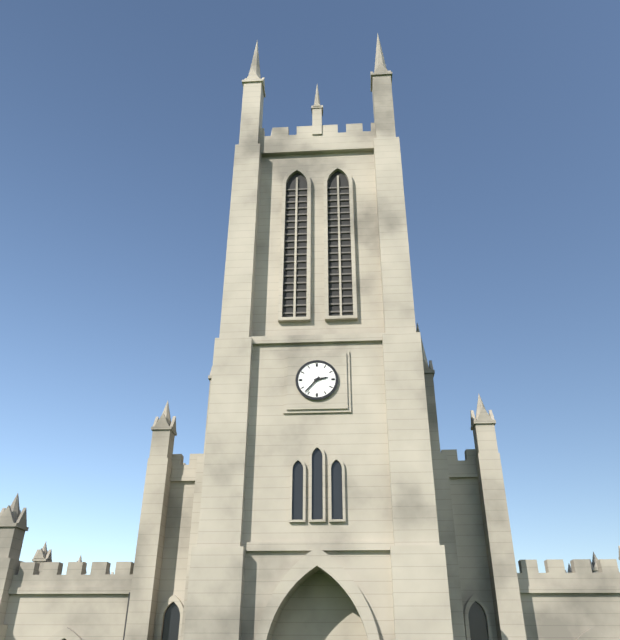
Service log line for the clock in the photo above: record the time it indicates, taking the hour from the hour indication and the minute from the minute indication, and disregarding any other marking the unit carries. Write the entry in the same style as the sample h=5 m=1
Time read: h=2 m=37
